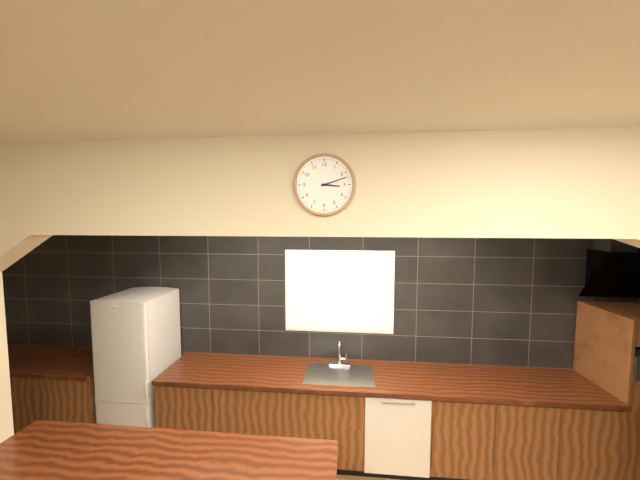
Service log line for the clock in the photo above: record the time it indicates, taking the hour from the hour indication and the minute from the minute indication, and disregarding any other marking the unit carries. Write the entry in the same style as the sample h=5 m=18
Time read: h=3 m=12
